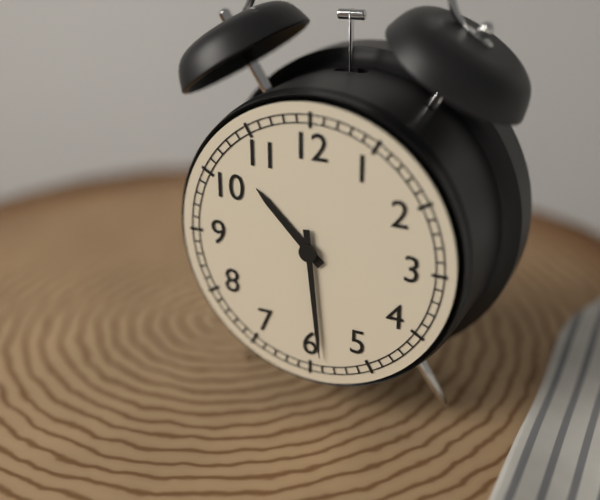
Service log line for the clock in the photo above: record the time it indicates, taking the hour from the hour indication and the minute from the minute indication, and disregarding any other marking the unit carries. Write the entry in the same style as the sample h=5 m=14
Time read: h=10 m=29
